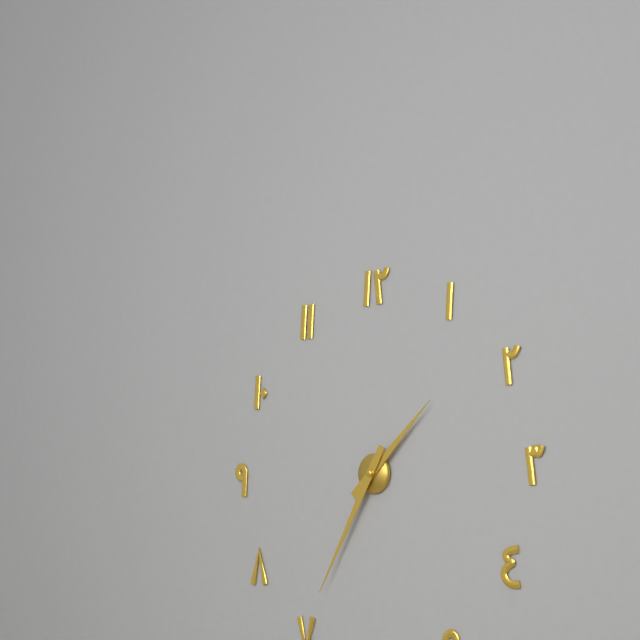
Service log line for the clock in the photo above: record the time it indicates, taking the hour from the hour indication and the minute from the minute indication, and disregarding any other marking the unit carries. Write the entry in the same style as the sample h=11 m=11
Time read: h=1 m=35
